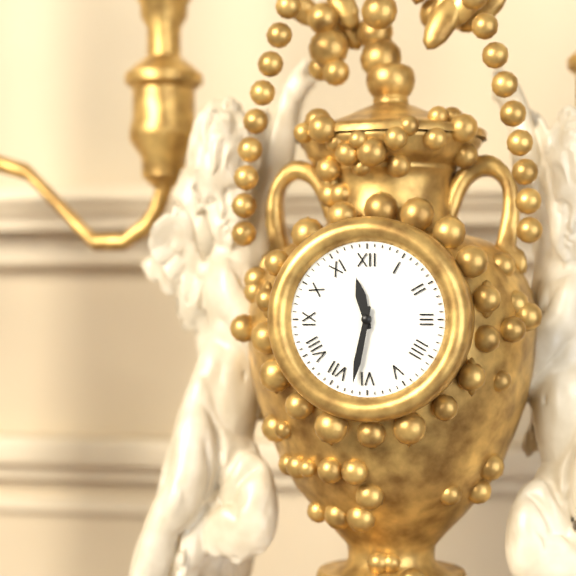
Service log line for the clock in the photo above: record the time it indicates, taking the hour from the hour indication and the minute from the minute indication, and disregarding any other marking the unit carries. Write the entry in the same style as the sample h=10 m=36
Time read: h=11 m=32
